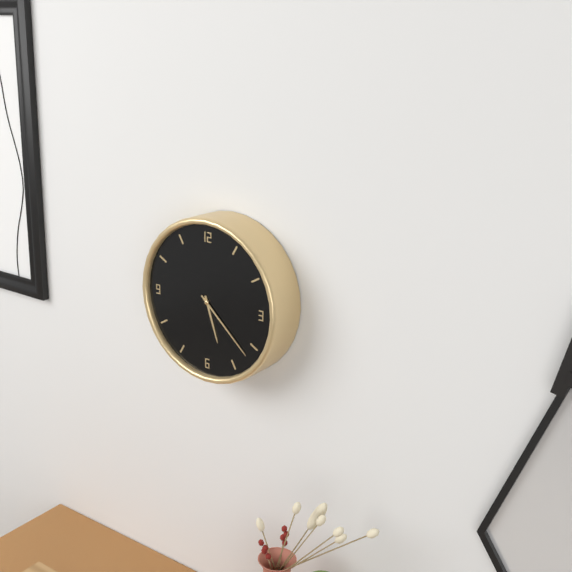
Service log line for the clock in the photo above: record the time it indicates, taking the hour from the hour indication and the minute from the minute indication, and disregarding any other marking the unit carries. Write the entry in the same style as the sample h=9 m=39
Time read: h=5 m=22
